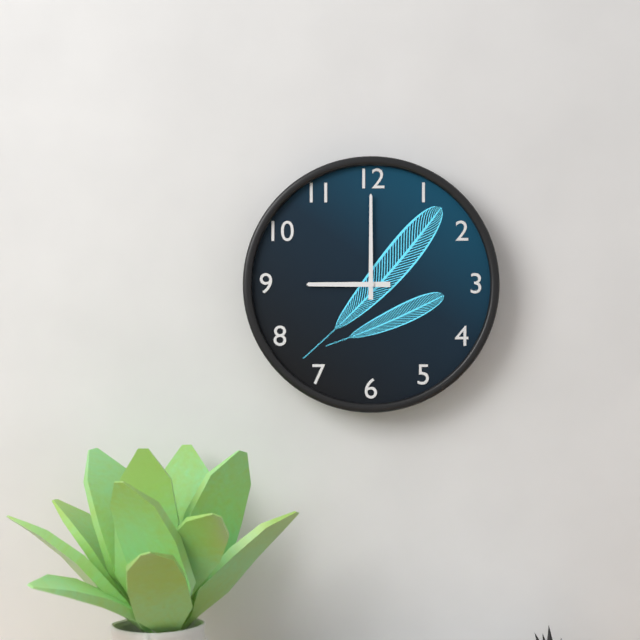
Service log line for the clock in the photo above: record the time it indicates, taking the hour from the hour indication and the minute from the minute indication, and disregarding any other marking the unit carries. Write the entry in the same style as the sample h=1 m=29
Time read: h=9 m=0
